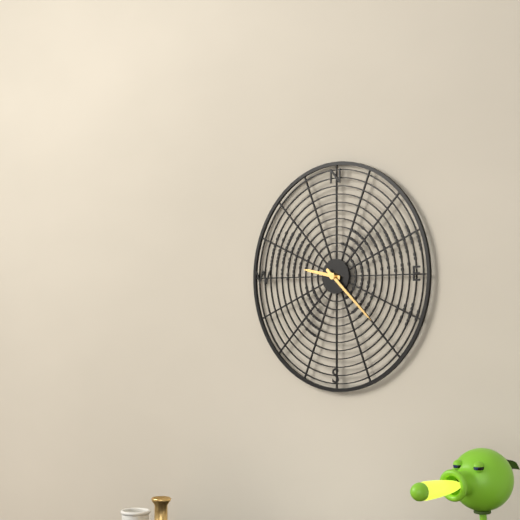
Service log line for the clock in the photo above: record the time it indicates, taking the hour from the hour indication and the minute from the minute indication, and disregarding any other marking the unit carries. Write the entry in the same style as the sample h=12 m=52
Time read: h=9 m=22
